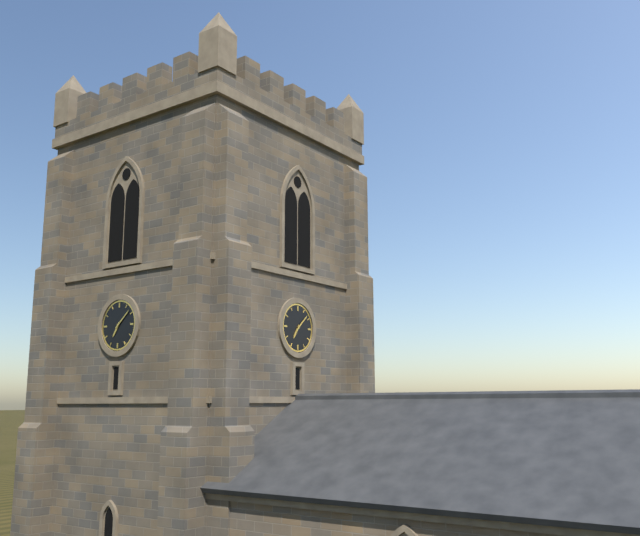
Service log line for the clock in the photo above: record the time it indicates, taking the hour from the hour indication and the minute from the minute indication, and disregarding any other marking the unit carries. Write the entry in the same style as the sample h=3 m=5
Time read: h=7 m=8
